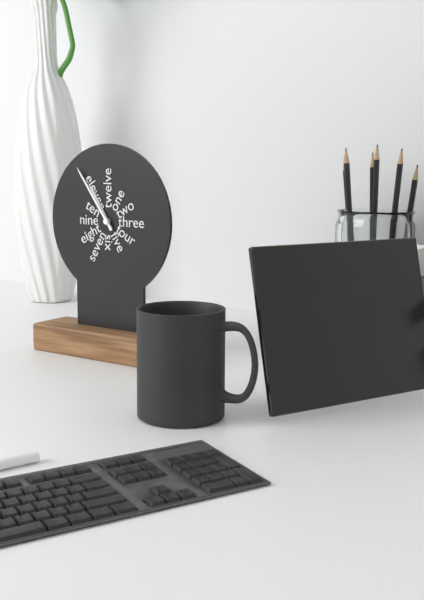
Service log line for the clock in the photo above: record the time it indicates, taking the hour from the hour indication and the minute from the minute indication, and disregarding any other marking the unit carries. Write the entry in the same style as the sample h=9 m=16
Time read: h=10 m=54
